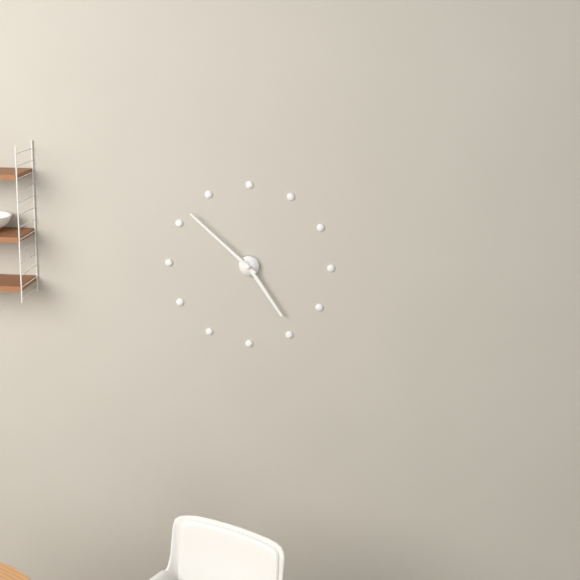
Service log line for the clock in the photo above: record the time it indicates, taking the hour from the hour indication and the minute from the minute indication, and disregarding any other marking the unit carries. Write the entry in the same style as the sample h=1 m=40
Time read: h=4 m=52
